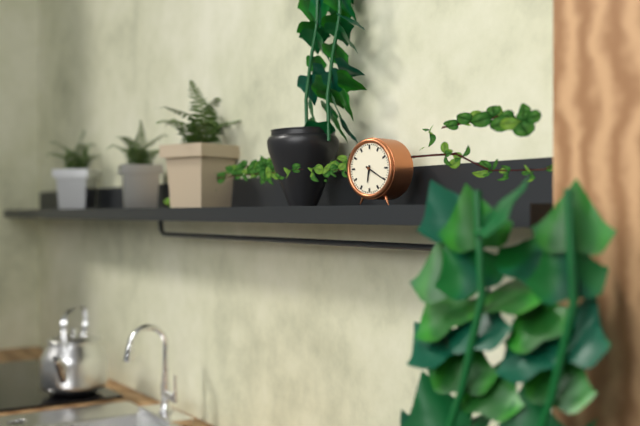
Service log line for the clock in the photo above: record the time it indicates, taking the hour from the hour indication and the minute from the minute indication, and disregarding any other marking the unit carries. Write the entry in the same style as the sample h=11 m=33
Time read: h=6 m=20
